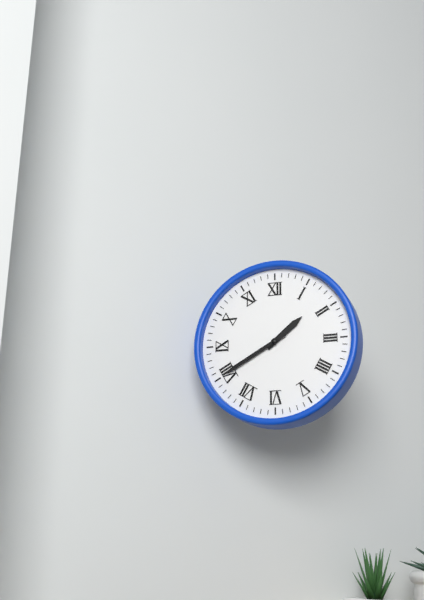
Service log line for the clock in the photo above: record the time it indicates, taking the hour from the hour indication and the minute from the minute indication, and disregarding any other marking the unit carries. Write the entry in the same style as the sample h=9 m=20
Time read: h=1 m=40
